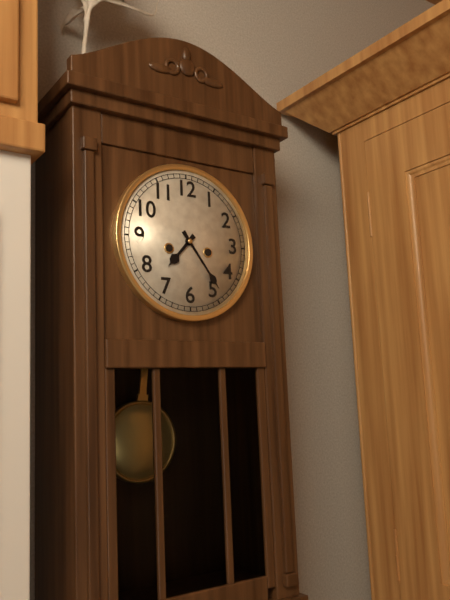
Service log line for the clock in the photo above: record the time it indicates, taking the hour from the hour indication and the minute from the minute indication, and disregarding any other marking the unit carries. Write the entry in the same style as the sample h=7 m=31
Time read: h=7 m=24
